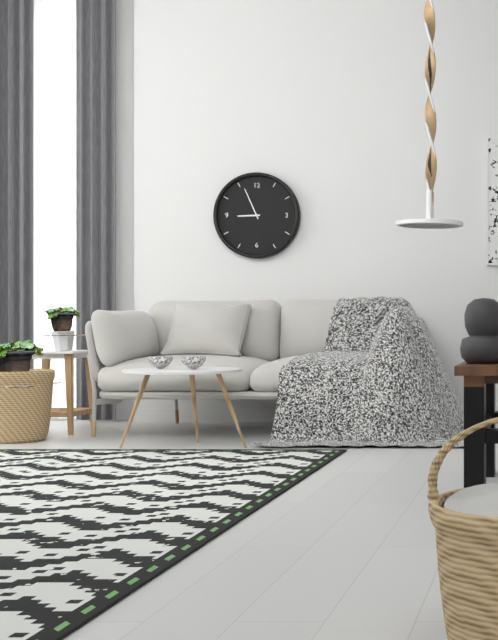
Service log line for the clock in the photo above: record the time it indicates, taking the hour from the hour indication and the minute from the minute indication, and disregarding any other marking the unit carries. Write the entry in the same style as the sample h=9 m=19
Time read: h=8 m=56
